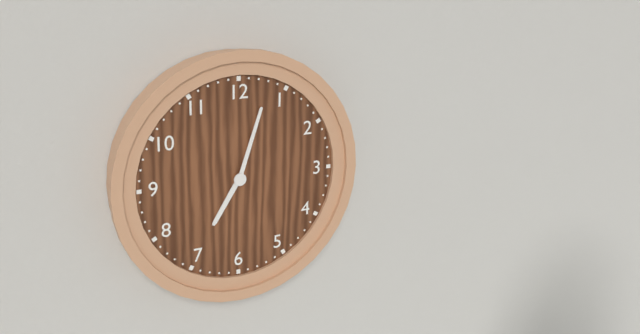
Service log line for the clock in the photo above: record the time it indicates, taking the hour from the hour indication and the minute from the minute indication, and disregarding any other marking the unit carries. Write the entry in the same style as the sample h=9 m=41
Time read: h=7 m=3
